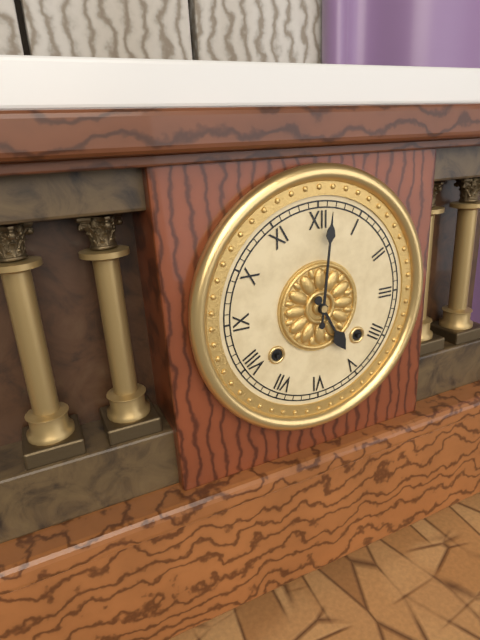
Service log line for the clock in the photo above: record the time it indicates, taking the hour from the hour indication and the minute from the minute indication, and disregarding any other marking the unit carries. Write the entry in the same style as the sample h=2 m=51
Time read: h=5 m=1
